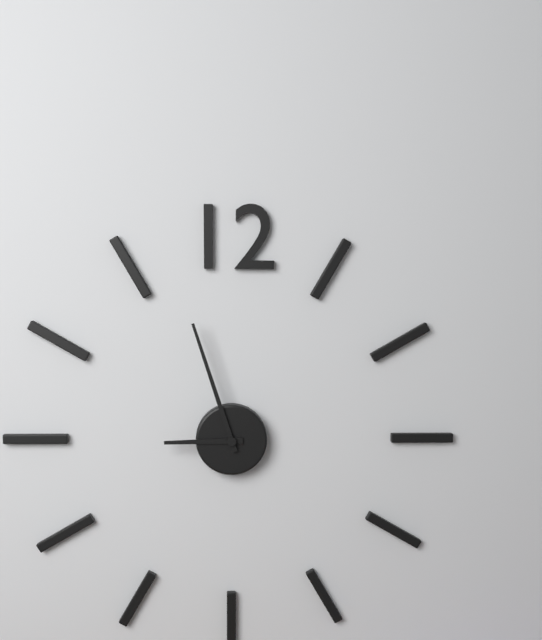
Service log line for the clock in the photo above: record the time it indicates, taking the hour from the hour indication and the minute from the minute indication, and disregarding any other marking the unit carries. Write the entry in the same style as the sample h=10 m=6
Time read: h=8 m=57
